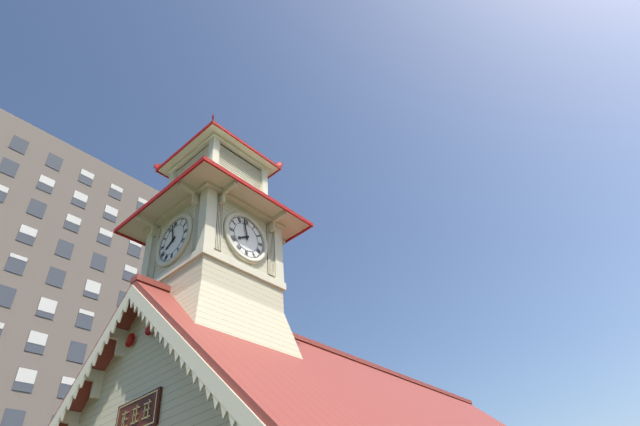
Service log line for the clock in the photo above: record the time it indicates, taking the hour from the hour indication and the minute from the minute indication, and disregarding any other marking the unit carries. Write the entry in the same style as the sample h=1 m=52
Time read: h=7 m=58
